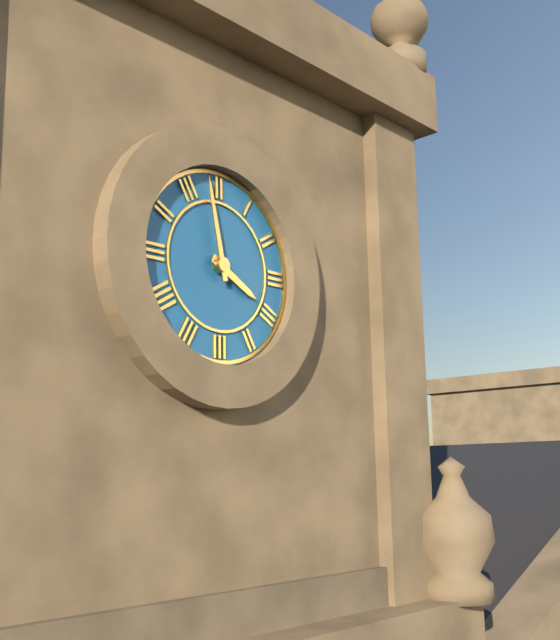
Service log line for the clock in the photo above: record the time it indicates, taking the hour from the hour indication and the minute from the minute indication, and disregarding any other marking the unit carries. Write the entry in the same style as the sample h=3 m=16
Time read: h=3 m=58
